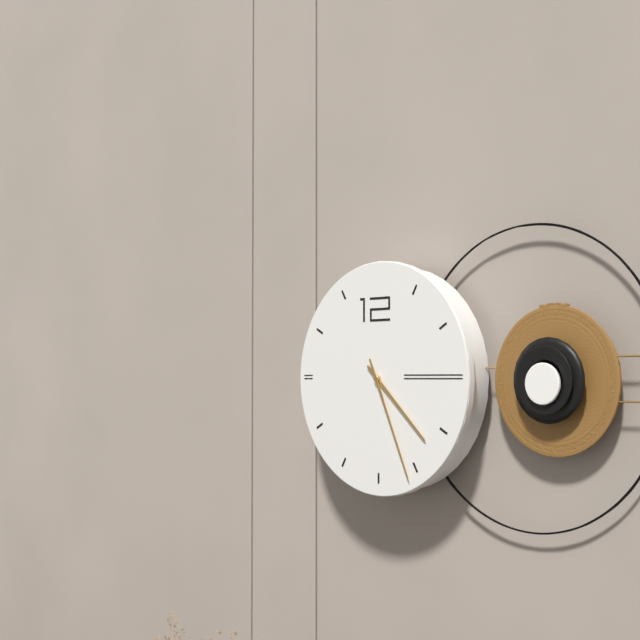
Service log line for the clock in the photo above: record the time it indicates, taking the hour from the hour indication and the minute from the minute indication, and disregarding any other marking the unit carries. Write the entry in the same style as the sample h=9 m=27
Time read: h=4 m=26
